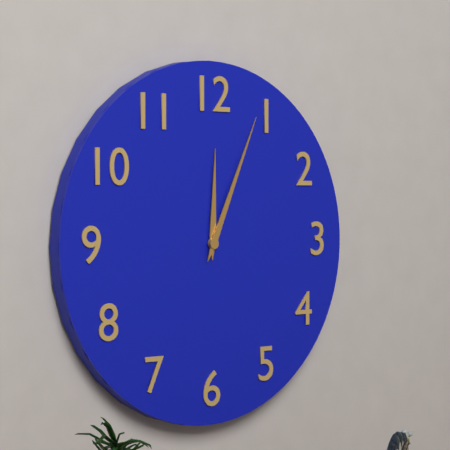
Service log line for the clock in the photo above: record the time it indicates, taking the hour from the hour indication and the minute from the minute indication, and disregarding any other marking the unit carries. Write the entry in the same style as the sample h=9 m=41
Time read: h=12 m=4
